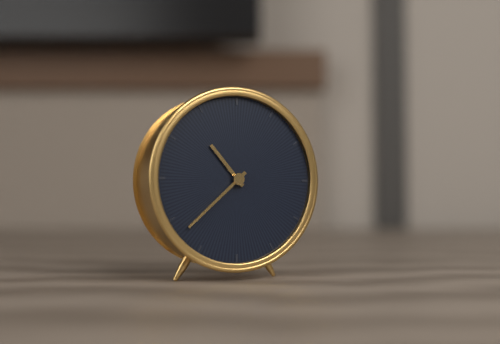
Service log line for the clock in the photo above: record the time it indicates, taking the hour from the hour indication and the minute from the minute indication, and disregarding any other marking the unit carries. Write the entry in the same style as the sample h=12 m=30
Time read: h=10 m=38
